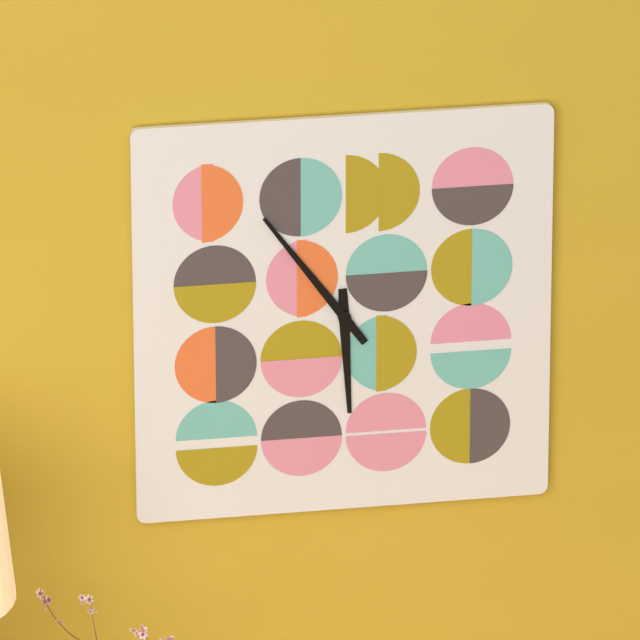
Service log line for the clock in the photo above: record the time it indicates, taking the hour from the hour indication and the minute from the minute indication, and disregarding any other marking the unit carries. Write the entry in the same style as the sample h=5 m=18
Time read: h=5 m=54
